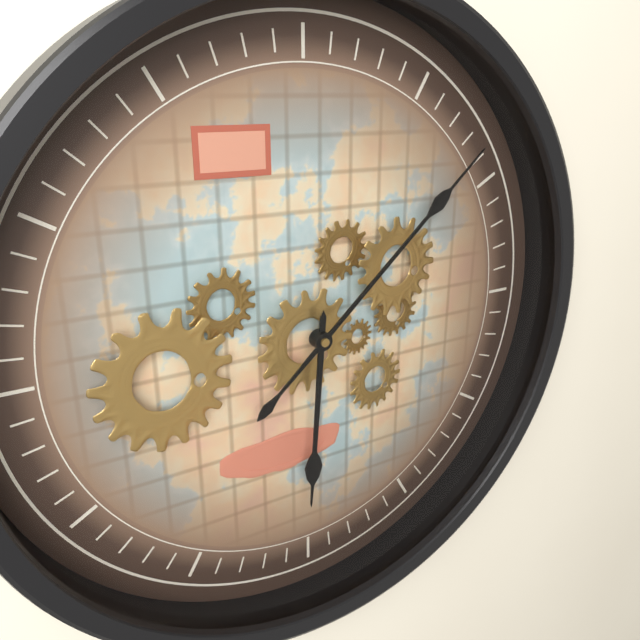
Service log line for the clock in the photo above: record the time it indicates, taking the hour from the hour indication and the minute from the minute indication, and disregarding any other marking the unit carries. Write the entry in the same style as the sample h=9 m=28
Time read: h=6 m=8
